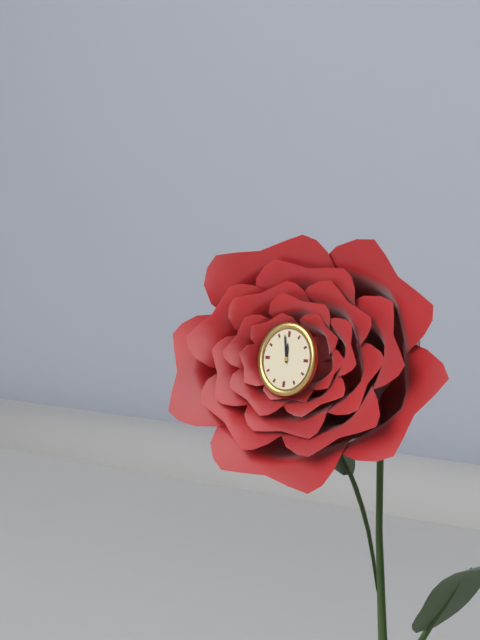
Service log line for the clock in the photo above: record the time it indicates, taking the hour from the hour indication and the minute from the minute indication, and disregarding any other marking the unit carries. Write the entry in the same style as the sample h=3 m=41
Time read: h=11 m=58
